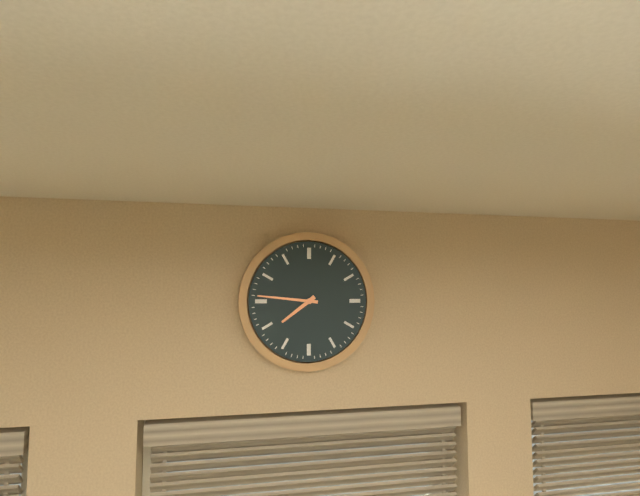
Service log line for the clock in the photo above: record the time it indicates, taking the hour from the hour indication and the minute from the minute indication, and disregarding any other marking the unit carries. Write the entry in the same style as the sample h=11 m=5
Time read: h=7 m=46
